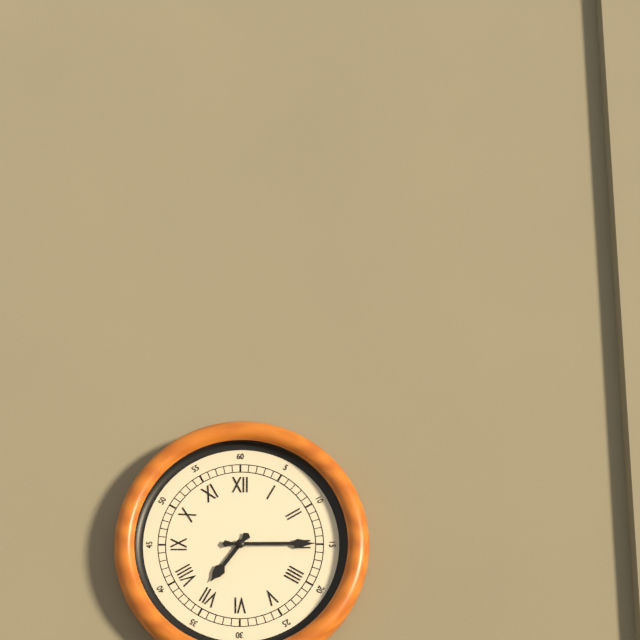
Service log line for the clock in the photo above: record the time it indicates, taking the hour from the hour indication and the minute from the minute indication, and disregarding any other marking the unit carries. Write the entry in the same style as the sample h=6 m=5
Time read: h=7 m=15
